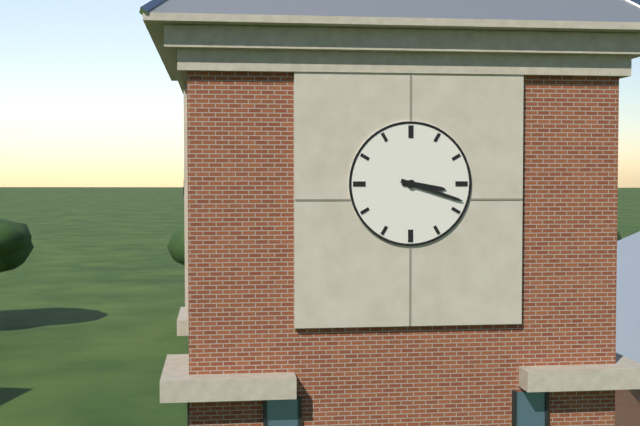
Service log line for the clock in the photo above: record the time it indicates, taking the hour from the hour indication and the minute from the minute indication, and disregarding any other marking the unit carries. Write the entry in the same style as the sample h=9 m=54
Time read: h=3 m=18
